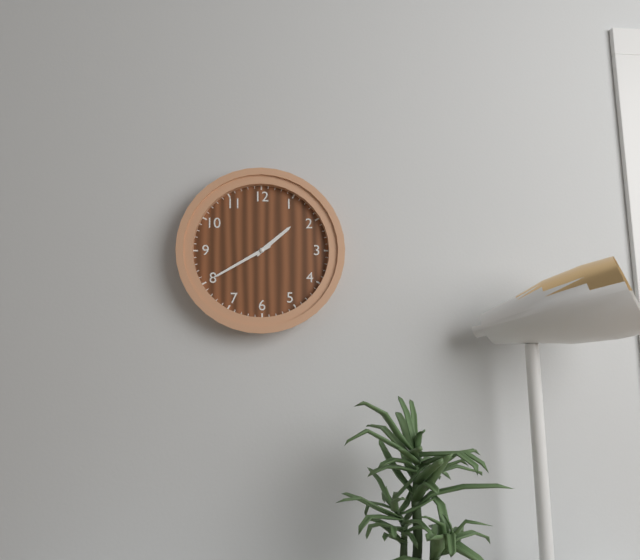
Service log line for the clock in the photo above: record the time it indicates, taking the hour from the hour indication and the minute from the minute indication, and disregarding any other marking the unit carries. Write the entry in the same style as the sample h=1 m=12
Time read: h=1 m=40
